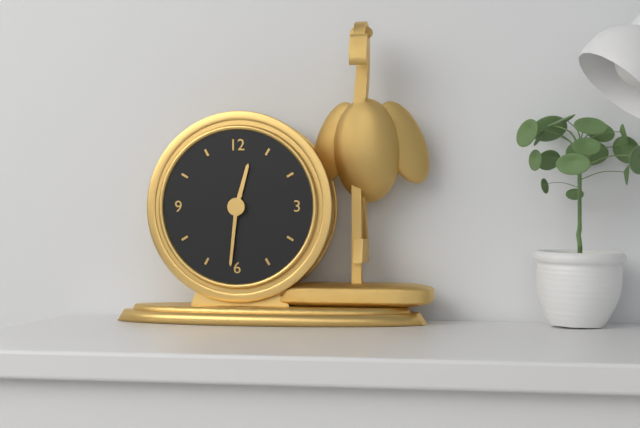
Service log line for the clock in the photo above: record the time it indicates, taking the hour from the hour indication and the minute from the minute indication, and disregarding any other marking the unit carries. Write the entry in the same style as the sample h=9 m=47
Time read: h=12 m=31
